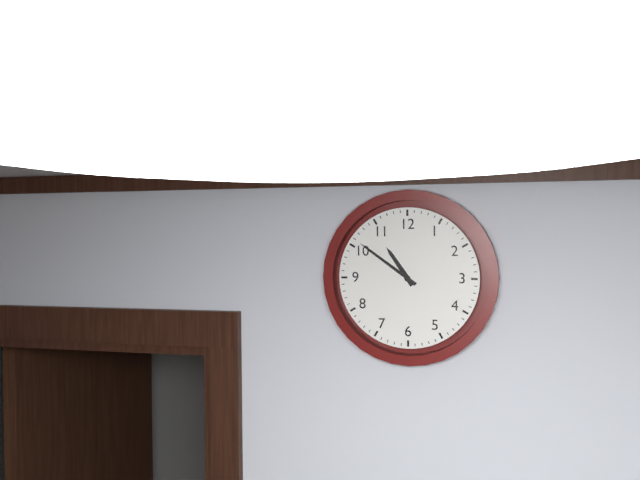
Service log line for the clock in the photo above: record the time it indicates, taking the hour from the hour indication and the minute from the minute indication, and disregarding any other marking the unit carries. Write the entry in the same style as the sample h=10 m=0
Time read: h=10 m=51
